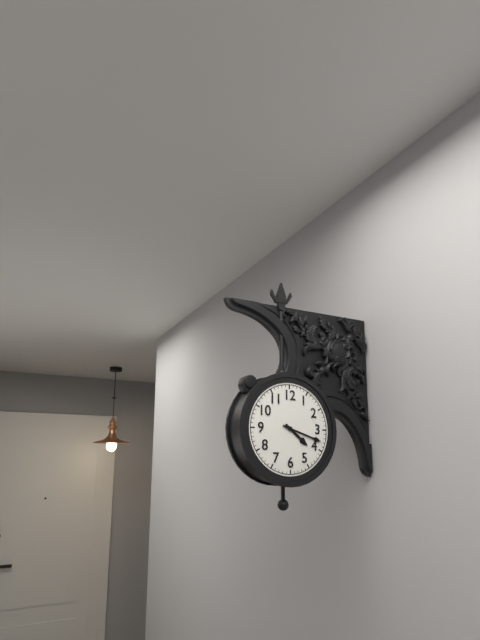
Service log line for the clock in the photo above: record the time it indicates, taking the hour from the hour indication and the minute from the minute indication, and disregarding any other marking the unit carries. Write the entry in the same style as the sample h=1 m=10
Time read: h=4 m=18
